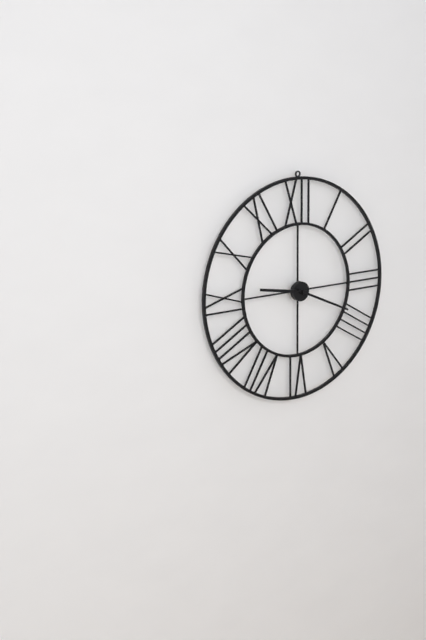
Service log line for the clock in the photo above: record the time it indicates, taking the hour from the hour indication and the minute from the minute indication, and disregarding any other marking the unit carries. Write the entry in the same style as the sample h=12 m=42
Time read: h=9 m=19
